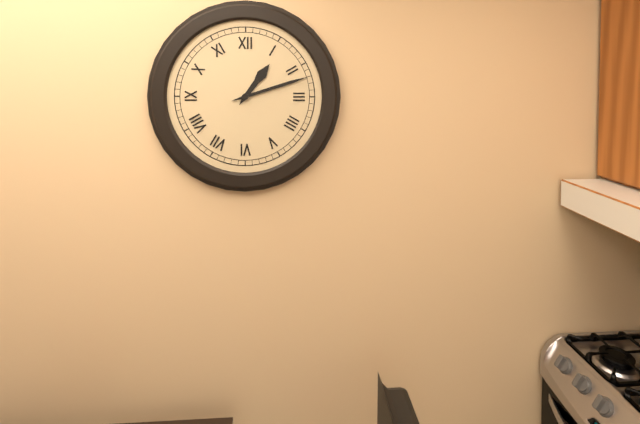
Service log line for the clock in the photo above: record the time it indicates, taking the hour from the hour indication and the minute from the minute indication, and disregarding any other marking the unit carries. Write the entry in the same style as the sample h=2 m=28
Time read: h=1 m=12
